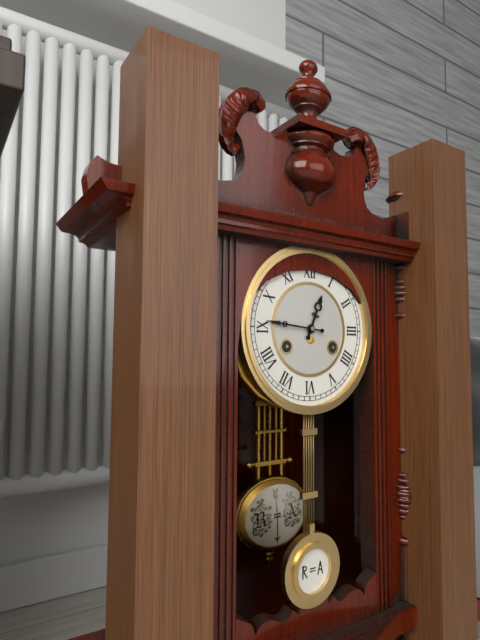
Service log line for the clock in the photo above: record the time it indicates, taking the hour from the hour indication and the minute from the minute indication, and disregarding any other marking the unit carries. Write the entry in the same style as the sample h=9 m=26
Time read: h=12 m=46
